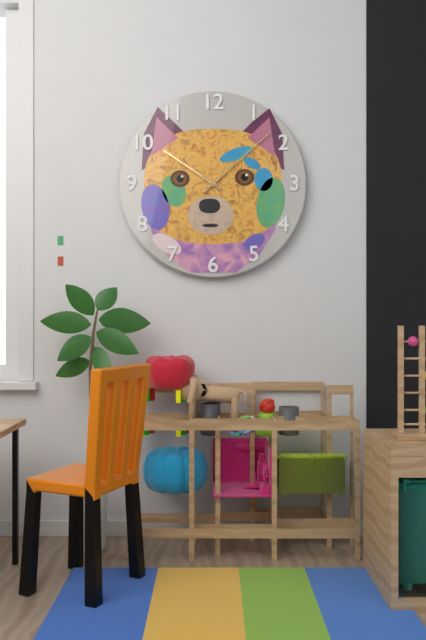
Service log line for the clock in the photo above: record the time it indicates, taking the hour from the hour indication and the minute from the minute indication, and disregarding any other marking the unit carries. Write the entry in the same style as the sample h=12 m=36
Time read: h=10 m=8
